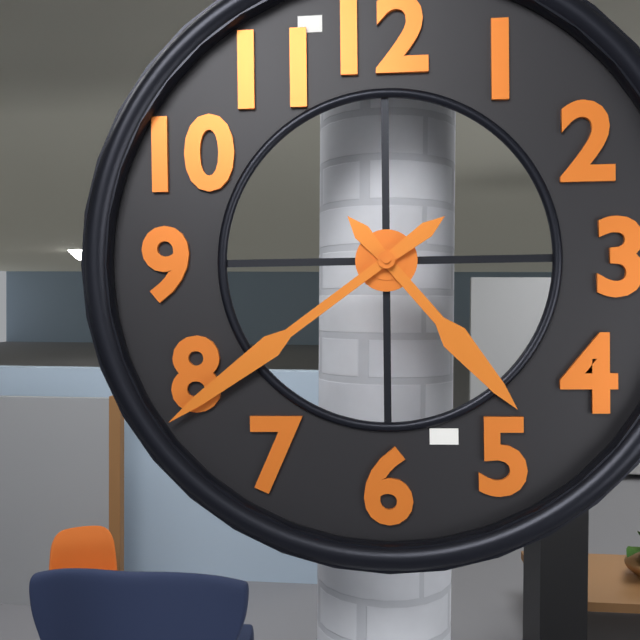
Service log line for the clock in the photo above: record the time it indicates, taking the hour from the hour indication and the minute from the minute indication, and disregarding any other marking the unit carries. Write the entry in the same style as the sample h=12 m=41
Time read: h=4 m=39
